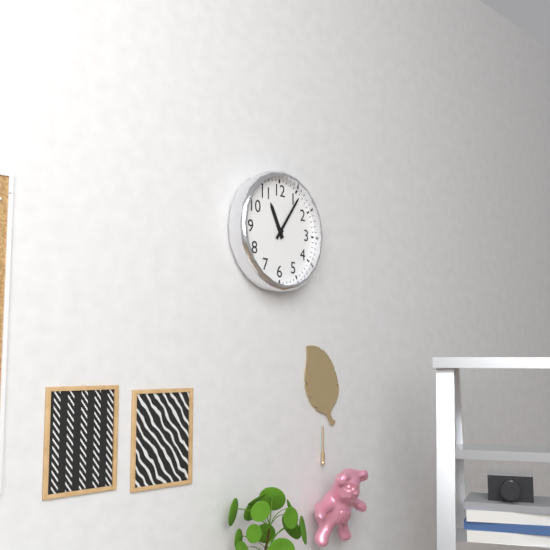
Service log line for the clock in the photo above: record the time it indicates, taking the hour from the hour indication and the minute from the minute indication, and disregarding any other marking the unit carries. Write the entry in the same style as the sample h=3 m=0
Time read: h=11 m=6
